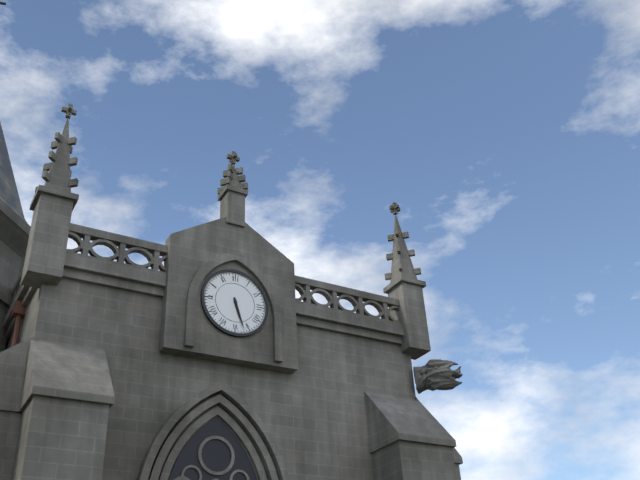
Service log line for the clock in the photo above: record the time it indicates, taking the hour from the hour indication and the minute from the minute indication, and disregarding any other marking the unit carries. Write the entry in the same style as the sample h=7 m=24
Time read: h=5 m=27
